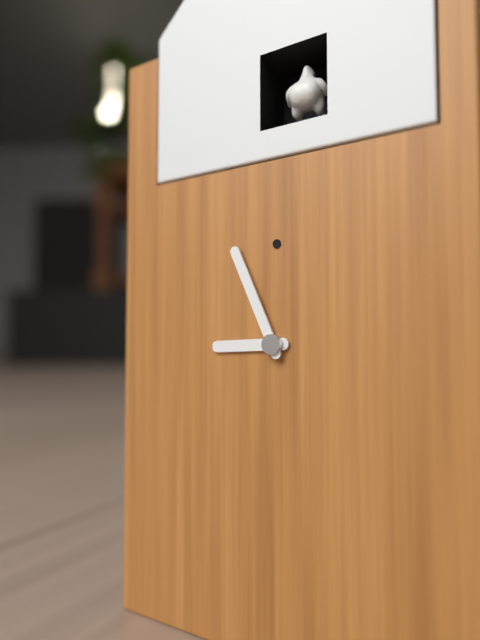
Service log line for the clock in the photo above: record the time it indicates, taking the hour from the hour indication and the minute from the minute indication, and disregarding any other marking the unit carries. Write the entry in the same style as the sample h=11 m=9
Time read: h=8 m=56
